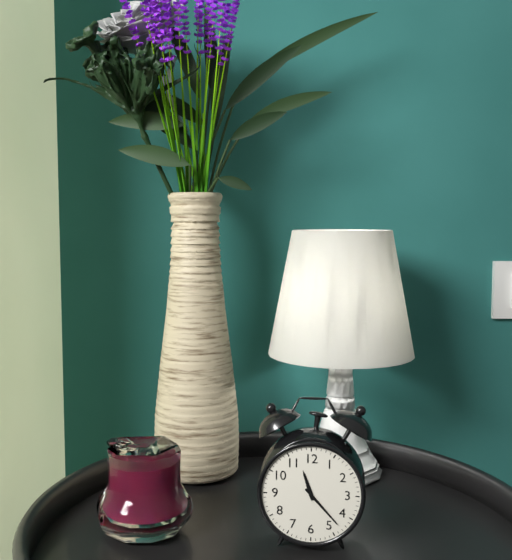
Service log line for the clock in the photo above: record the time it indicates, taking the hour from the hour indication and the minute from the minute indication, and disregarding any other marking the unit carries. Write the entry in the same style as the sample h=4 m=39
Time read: h=11 m=23
